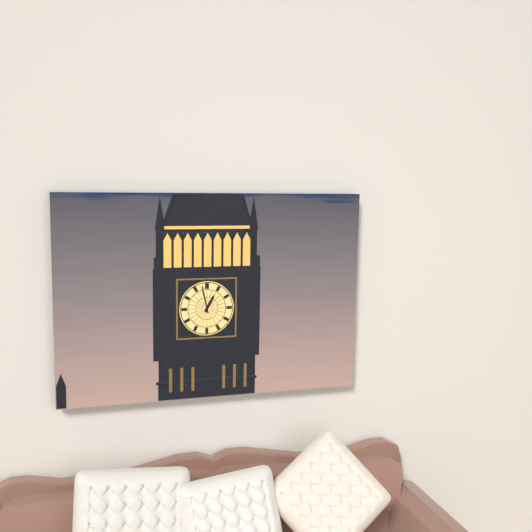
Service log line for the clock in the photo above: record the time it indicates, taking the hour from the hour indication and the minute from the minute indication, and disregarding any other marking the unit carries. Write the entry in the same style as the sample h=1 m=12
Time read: h=12 m=58
